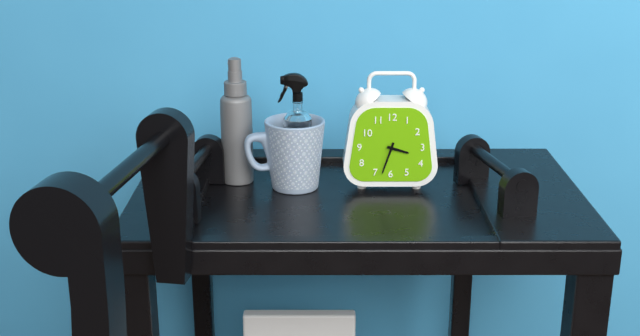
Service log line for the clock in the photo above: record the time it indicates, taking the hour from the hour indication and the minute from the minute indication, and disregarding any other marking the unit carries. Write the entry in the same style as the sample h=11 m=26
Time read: h=3 m=33
